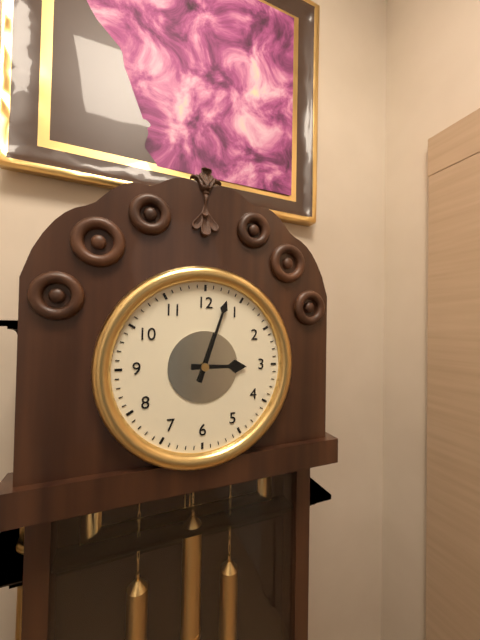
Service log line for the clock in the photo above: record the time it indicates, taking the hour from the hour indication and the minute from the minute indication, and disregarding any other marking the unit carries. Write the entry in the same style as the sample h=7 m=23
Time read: h=3 m=3
